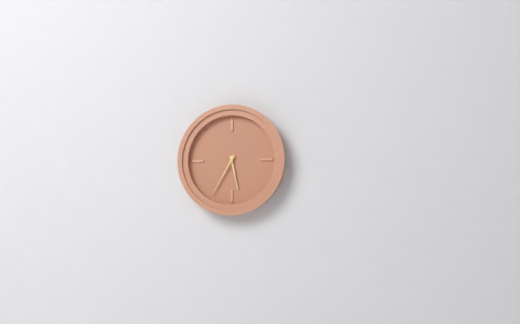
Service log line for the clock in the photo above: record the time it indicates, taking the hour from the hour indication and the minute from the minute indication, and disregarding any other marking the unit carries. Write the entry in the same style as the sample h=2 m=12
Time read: h=5 m=35
